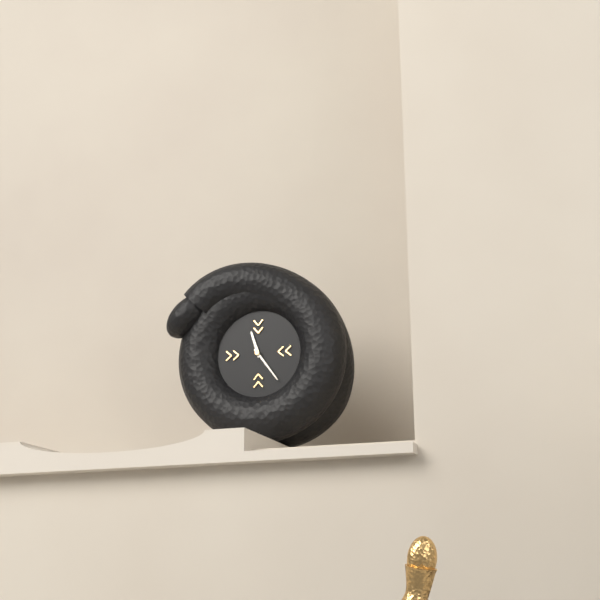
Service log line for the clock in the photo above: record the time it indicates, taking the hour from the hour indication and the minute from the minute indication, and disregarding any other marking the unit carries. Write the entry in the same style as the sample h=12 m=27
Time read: h=11 m=24
